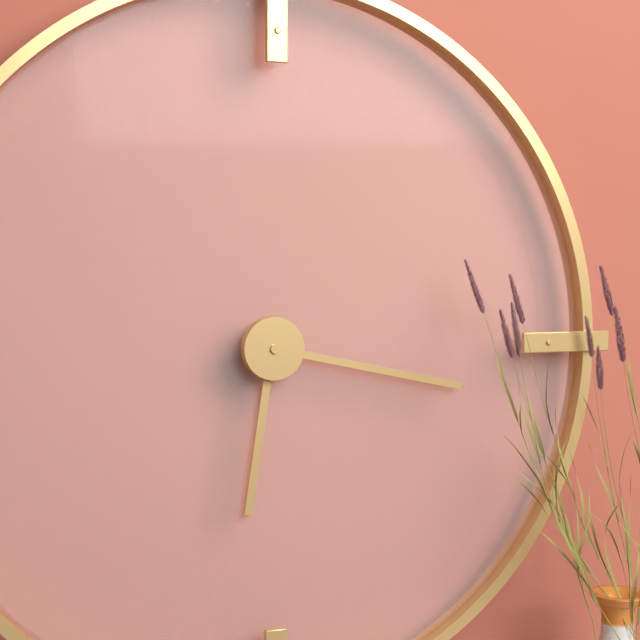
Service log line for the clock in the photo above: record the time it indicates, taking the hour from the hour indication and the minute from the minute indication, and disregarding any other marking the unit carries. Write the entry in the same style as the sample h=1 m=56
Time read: h=6 m=17
